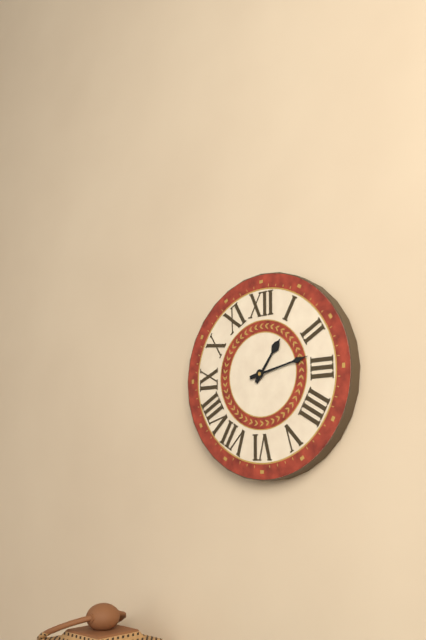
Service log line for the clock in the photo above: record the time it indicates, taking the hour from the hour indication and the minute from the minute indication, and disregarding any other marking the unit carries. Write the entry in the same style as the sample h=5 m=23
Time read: h=1 m=13
